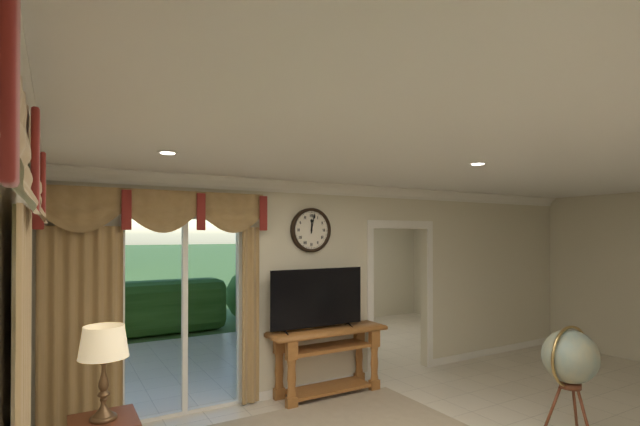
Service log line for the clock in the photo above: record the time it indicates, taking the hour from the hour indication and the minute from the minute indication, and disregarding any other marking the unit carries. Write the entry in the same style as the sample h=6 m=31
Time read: h=12 m=2
